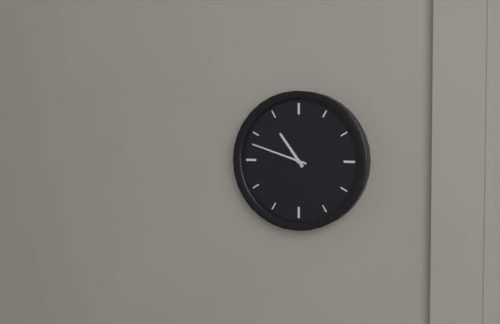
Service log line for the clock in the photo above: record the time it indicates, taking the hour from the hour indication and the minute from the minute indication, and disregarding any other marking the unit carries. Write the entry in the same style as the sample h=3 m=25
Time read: h=10 m=48
